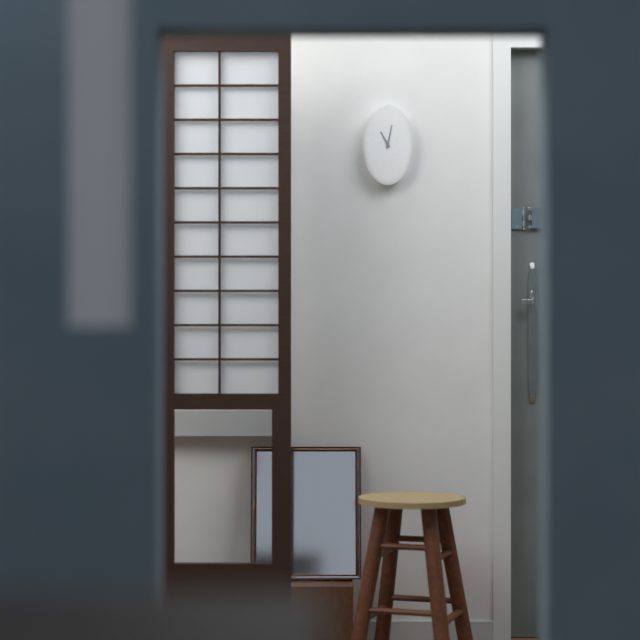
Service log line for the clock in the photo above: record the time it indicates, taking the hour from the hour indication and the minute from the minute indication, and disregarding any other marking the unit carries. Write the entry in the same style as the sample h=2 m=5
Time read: h=11 m=2
